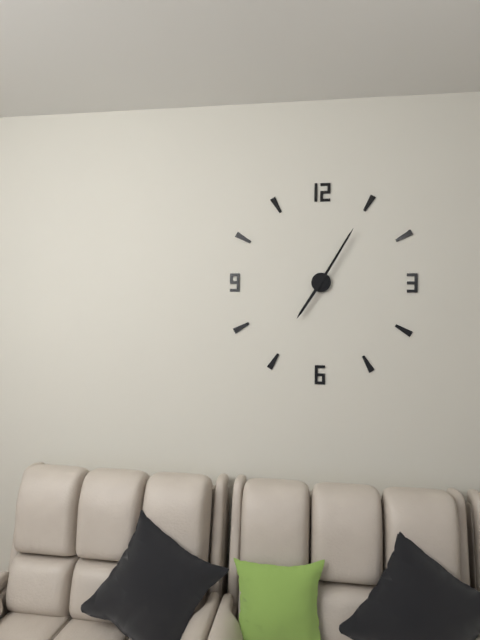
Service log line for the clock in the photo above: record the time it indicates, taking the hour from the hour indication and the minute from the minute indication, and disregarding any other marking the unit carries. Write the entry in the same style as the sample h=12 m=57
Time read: h=7 m=5
